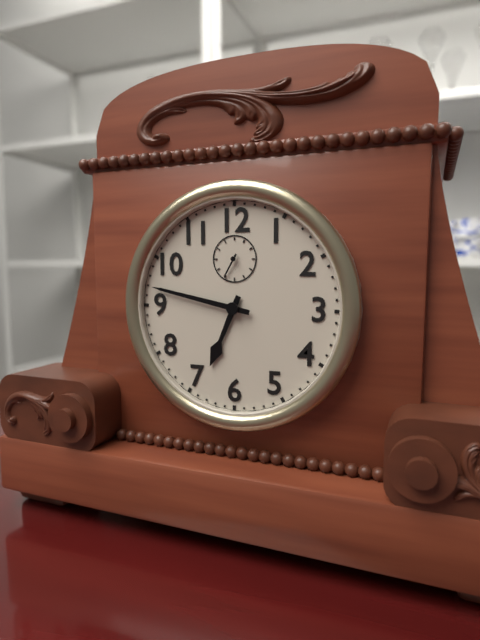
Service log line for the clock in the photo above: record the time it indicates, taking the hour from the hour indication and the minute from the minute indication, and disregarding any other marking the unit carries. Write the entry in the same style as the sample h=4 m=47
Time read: h=6 m=47
